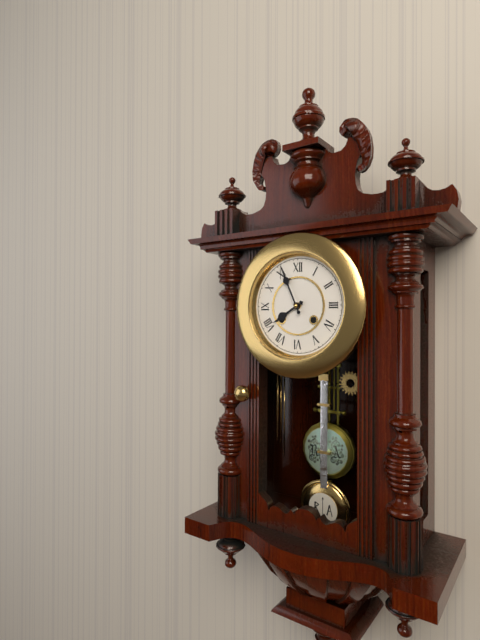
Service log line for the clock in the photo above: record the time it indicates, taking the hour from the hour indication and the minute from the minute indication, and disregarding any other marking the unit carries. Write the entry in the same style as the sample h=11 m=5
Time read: h=7 m=56
